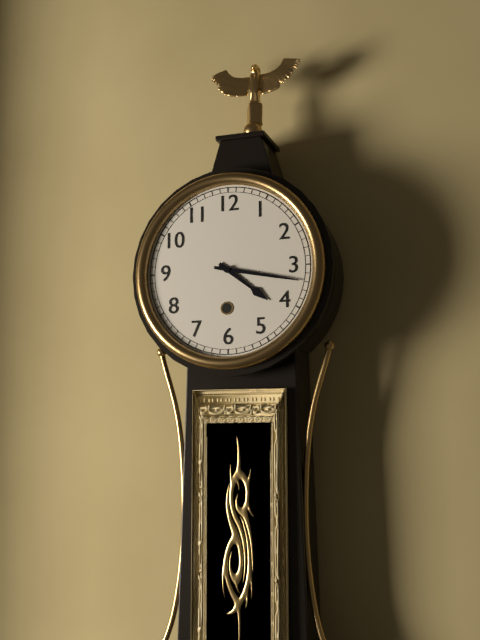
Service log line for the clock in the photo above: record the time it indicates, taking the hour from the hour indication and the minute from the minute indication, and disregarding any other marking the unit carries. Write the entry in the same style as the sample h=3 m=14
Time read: h=4 m=17
